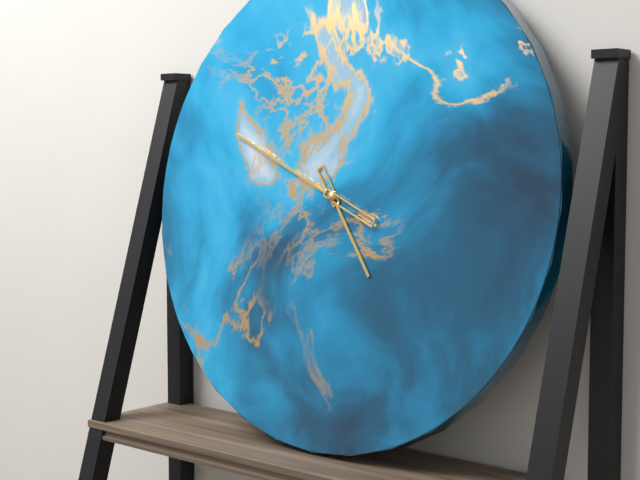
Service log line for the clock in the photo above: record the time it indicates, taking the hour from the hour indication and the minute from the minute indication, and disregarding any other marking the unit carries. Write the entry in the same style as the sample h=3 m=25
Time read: h=4 m=49
